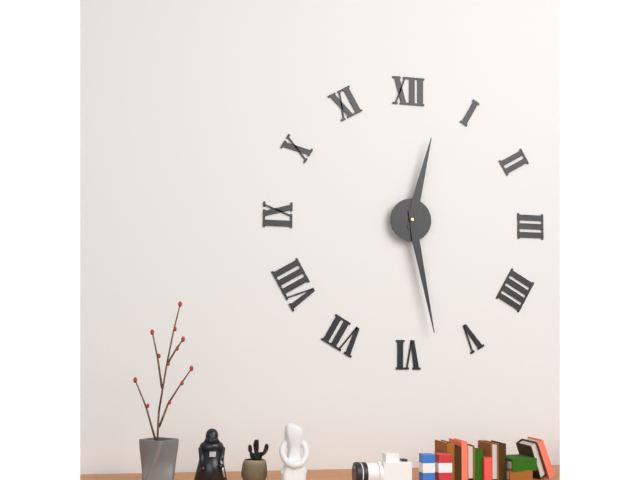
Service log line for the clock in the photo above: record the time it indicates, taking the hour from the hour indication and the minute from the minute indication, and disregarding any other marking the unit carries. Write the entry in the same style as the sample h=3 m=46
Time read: h=12 m=28
